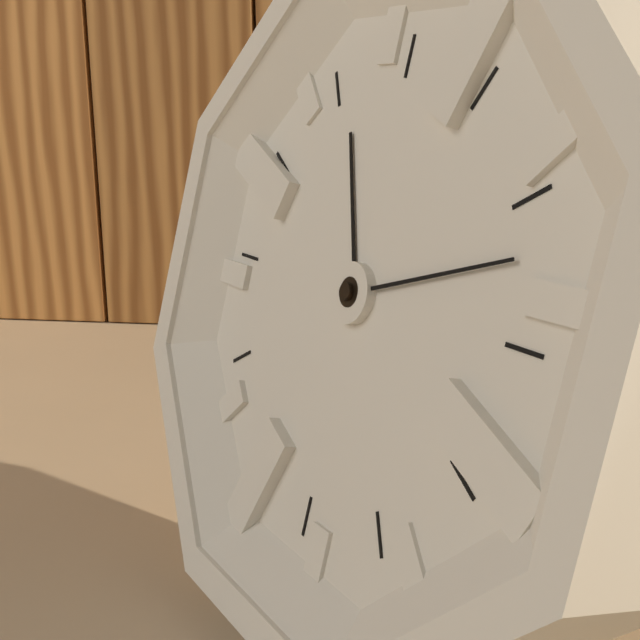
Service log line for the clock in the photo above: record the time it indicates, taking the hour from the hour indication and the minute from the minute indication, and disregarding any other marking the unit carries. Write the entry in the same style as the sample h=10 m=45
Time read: h=11 m=12
